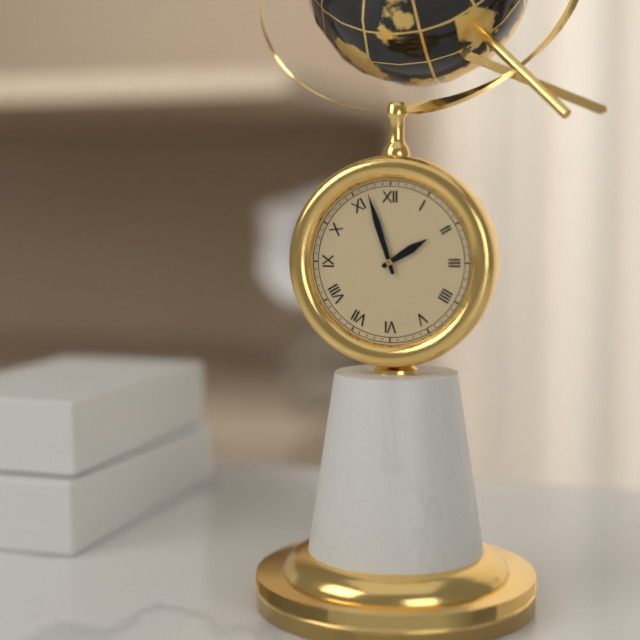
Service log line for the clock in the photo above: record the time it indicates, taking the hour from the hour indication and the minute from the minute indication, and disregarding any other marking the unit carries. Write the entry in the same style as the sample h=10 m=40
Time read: h=1 m=57
